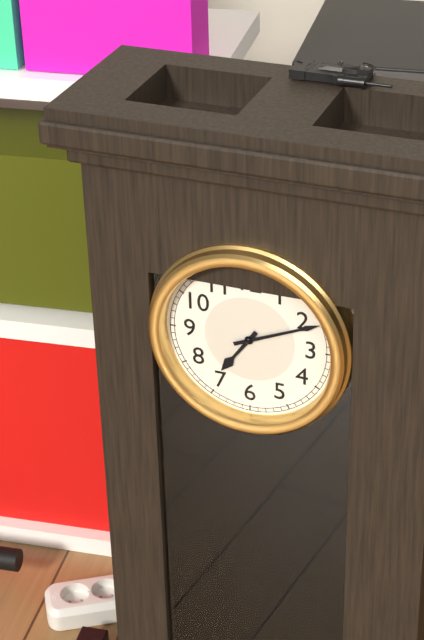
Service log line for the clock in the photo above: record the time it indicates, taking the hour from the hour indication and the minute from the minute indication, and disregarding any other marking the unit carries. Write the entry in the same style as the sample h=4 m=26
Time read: h=7 m=11
